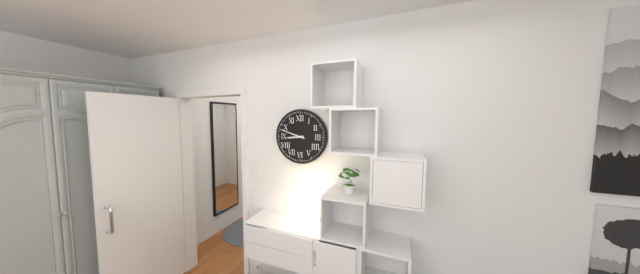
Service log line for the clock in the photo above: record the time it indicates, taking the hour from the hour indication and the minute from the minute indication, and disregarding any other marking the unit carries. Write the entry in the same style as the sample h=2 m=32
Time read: h=8 m=48
